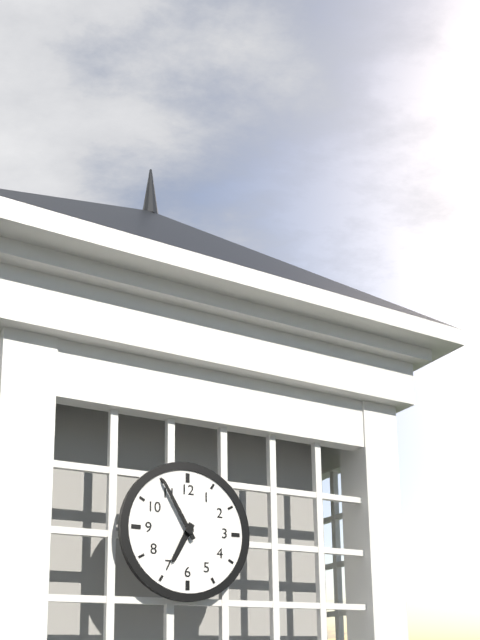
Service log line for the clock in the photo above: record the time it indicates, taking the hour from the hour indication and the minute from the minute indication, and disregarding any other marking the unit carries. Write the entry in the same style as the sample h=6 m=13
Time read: h=6 m=55
